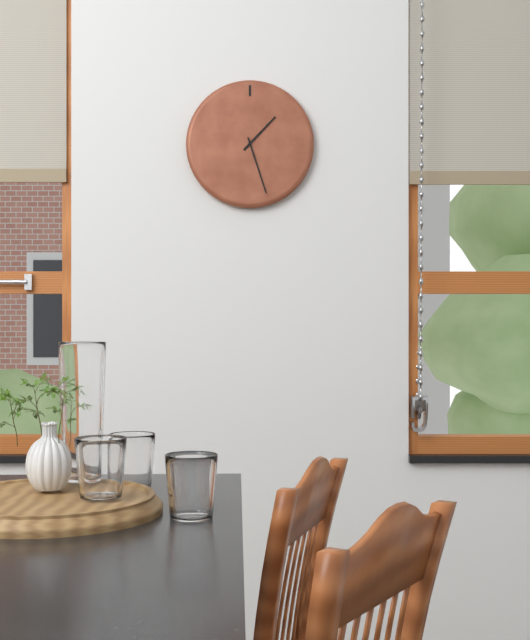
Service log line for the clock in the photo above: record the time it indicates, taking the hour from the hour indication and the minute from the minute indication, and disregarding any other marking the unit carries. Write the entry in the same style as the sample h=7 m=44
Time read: h=1 m=27
